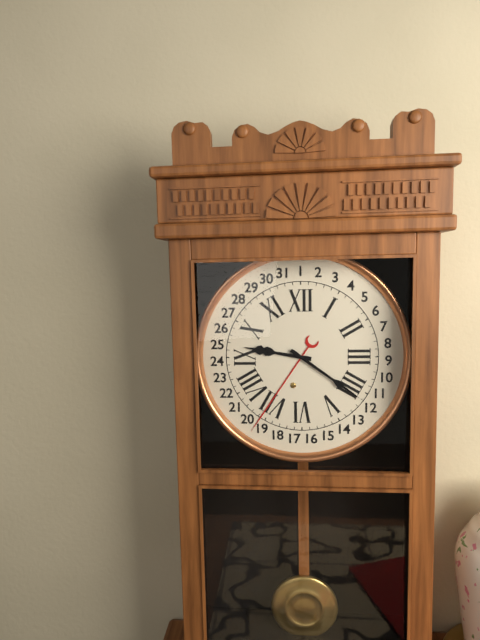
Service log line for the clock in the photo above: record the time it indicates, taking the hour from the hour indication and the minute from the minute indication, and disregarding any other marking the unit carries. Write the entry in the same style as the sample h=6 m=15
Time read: h=9 m=21
